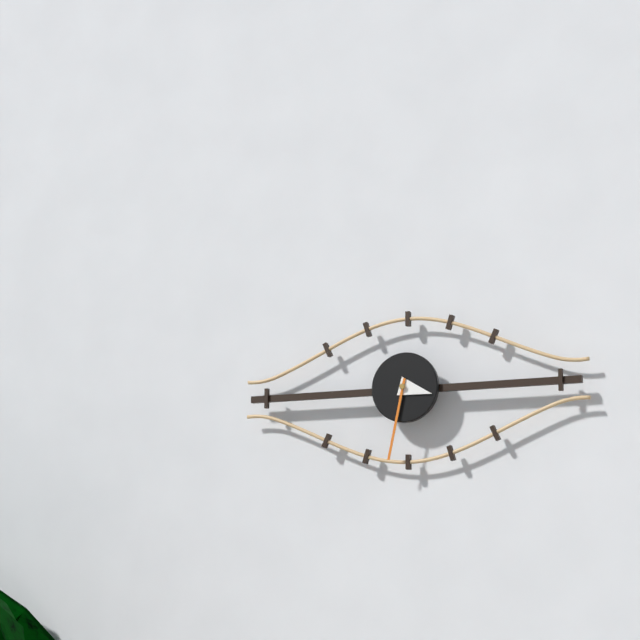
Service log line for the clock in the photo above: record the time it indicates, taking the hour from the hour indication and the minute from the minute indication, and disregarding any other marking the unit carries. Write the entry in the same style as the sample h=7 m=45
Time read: h=3 m=32
